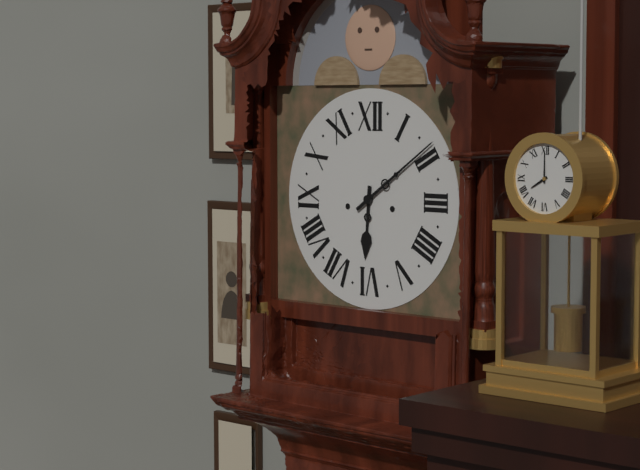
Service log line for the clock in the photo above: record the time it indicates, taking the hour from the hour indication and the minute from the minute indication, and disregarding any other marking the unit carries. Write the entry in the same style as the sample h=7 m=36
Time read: h=6 m=9
